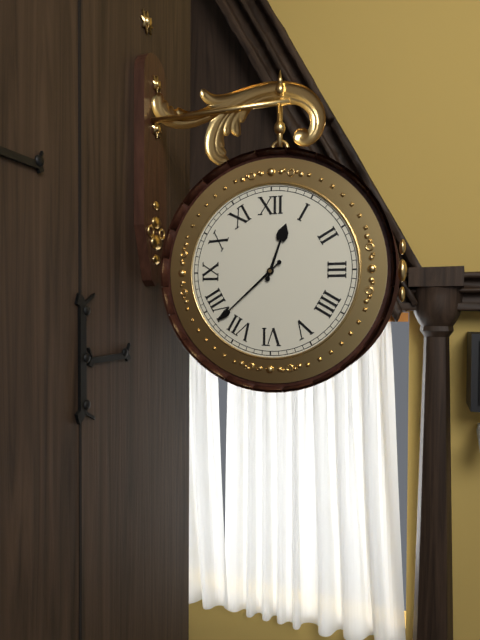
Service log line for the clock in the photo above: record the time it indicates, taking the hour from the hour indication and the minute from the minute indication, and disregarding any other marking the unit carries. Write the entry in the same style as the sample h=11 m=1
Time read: h=12 m=38
